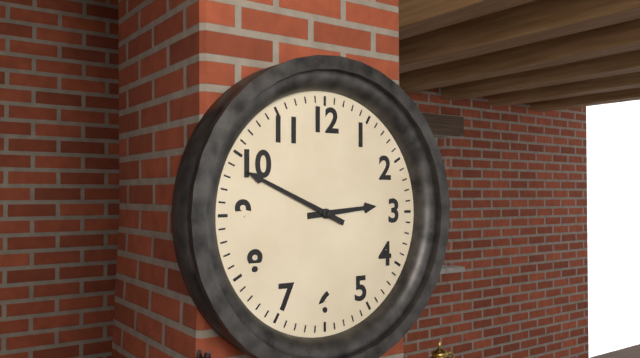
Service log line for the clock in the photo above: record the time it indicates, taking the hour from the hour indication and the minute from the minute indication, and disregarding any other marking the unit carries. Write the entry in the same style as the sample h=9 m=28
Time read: h=2 m=49
